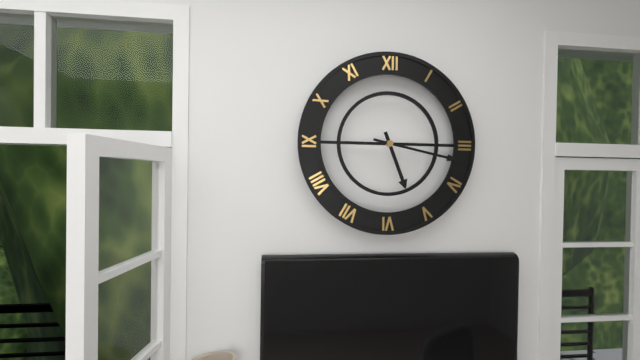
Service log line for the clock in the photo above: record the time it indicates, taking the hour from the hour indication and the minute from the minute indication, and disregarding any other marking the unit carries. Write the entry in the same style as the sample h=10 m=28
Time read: h=5 m=17
